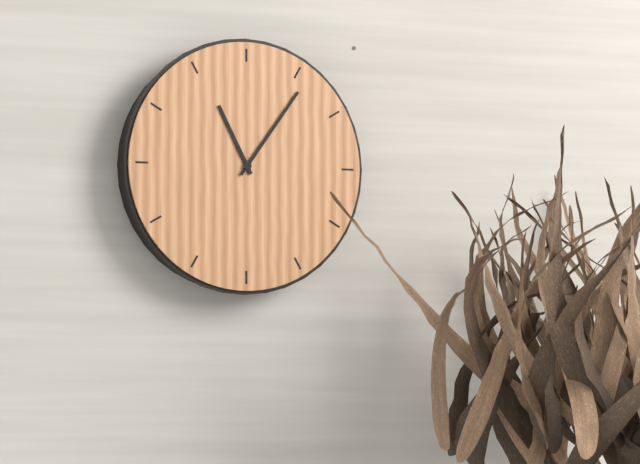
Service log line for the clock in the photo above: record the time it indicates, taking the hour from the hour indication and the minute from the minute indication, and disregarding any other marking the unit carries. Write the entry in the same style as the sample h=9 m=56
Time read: h=11 m=6
